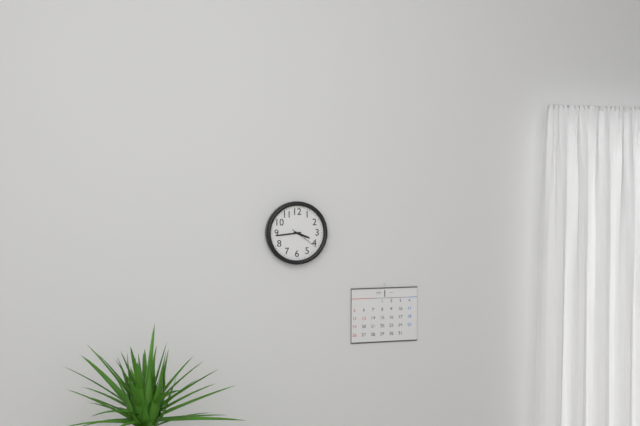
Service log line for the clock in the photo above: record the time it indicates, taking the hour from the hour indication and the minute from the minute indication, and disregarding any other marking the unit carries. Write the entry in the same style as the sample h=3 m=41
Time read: h=3 m=44
